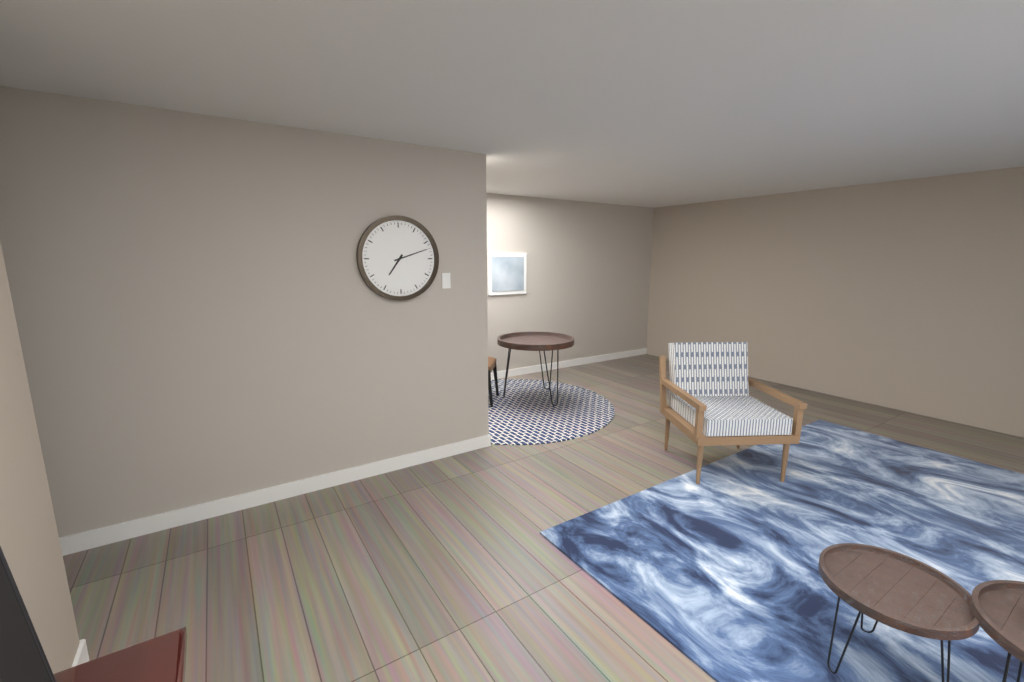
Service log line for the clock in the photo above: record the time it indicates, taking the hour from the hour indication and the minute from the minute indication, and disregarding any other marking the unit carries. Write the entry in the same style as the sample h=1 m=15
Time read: h=7 m=12
